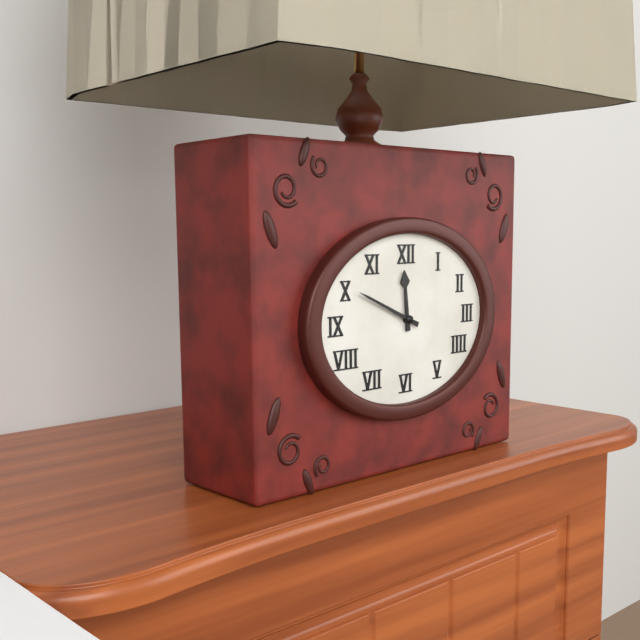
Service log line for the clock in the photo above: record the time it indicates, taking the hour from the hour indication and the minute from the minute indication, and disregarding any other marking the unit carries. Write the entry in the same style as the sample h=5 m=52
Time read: h=11 m=49
